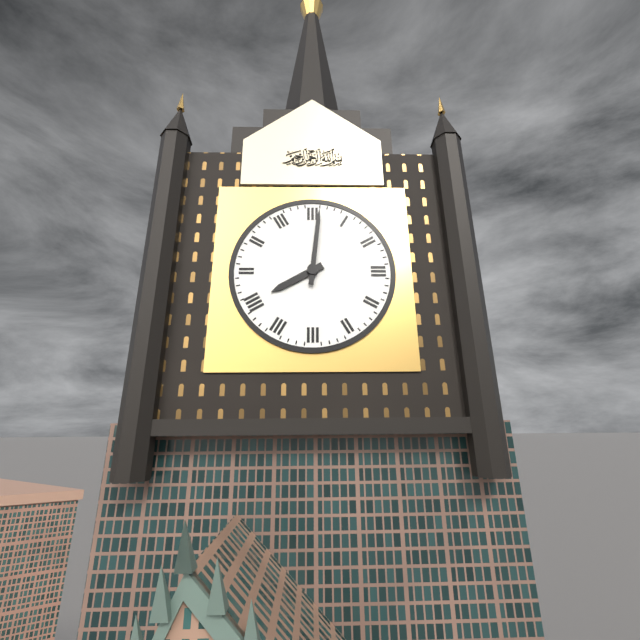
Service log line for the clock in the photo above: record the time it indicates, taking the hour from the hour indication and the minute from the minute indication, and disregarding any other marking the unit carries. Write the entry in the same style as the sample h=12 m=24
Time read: h=8 m=1
